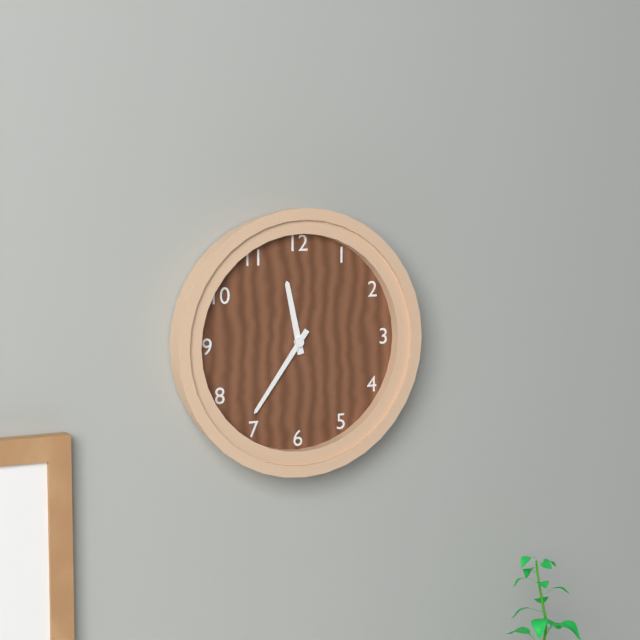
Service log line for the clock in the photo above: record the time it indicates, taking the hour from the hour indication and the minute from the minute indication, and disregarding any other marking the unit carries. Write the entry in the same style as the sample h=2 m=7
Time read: h=11 m=36
